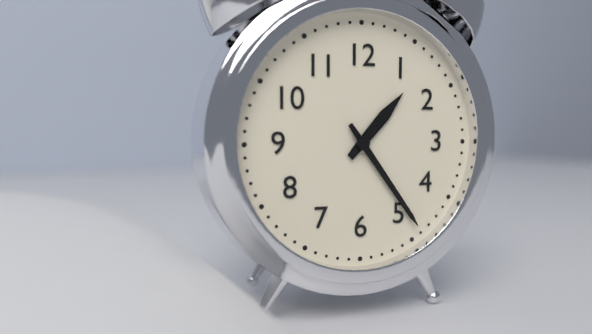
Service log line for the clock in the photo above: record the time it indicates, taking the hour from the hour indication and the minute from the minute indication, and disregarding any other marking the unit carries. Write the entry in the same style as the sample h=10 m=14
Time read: h=1 m=24
